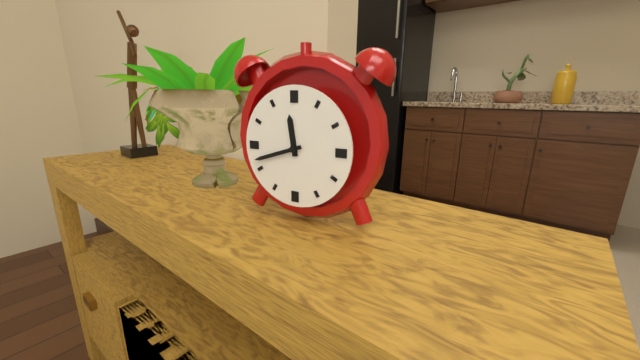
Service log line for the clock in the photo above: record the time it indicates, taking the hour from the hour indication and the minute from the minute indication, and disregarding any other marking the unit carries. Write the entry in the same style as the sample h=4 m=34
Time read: h=11 m=42
